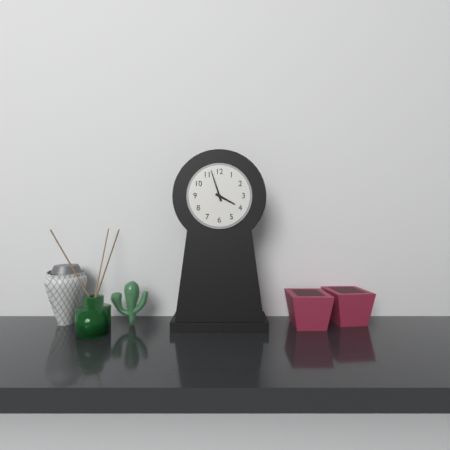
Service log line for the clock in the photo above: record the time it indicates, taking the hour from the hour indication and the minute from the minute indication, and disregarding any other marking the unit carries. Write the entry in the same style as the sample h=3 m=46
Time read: h=3 m=57
